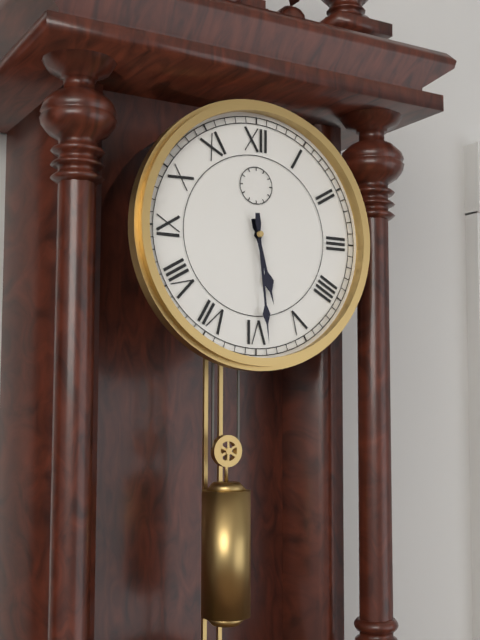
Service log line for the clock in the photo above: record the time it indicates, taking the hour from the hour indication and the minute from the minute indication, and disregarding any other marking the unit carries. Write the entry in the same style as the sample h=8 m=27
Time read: h=5 m=29
